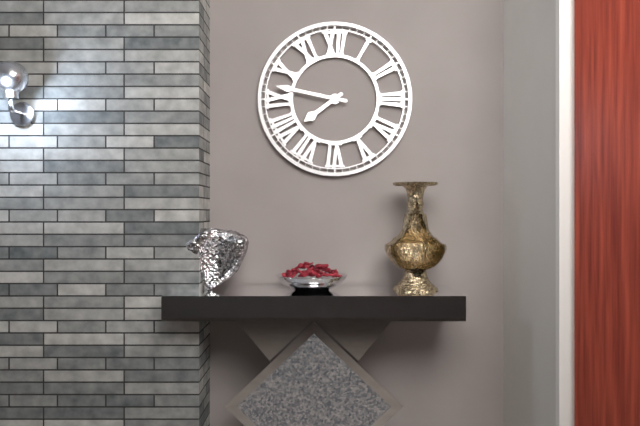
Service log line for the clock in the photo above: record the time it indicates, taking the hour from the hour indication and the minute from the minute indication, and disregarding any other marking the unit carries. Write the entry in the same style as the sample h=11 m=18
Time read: h=7 m=47
